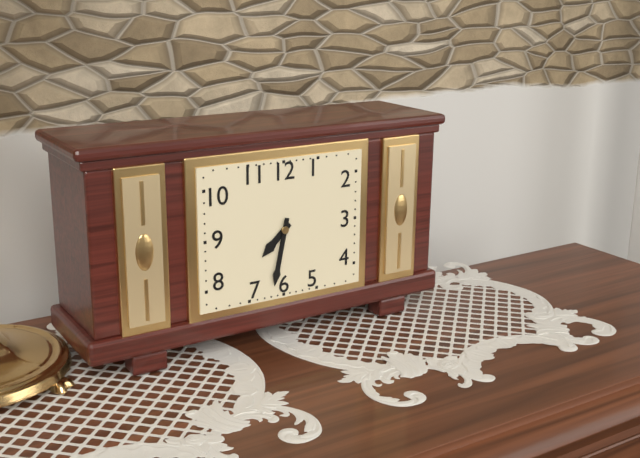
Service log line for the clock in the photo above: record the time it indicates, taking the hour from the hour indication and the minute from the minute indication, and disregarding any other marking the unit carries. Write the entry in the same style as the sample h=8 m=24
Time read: h=7 m=32
